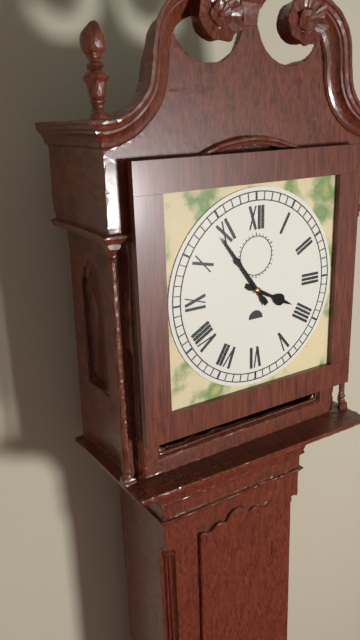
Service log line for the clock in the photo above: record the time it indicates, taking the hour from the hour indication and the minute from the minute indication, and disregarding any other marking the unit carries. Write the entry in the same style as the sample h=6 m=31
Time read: h=3 m=54
